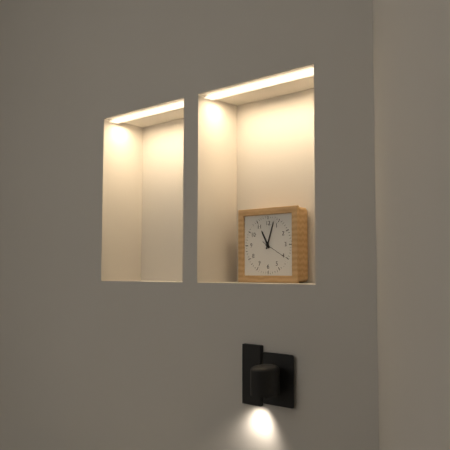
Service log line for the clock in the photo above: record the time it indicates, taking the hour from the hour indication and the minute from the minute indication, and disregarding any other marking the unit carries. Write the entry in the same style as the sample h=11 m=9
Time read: h=11 m=3
